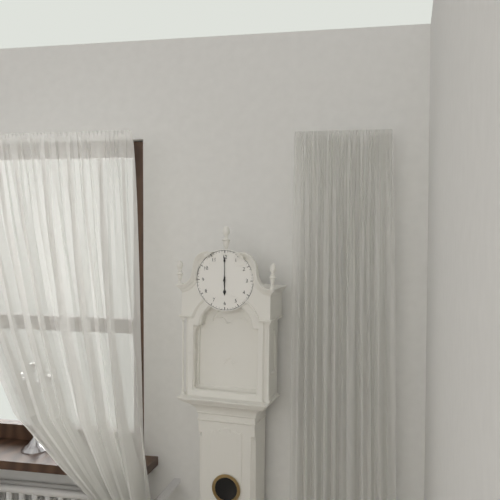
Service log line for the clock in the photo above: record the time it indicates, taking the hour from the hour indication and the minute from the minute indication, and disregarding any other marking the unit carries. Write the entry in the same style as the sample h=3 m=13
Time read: h=6 m=0
